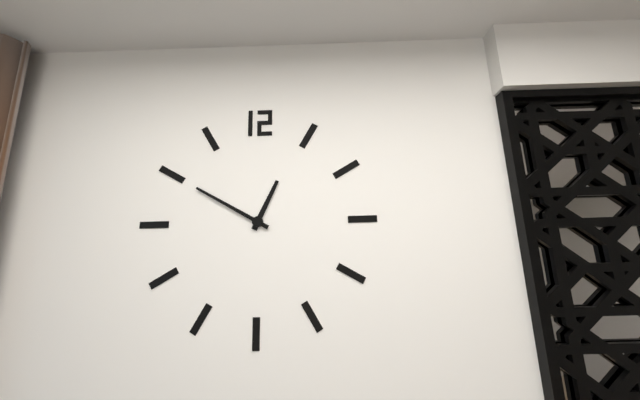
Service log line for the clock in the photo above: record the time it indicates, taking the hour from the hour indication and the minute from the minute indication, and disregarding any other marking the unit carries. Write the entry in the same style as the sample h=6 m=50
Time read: h=12 m=50
